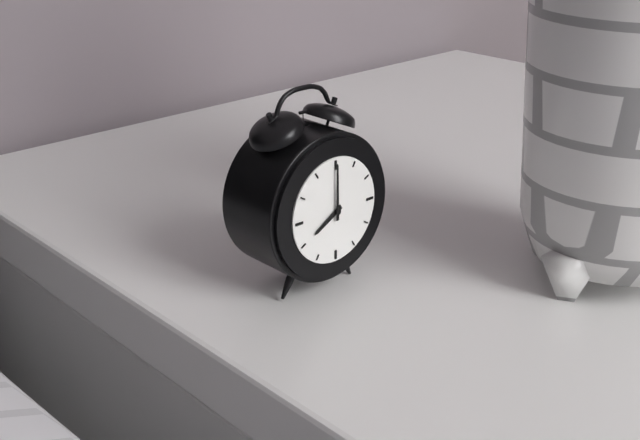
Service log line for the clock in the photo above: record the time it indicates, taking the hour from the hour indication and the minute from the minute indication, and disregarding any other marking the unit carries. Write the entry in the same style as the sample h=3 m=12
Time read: h=8 m=0
